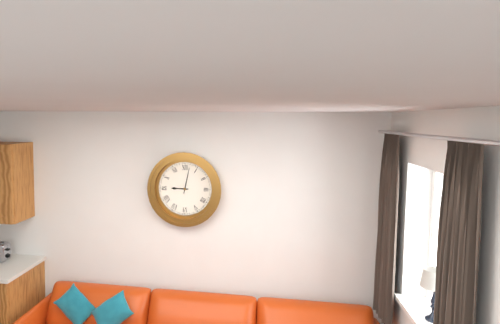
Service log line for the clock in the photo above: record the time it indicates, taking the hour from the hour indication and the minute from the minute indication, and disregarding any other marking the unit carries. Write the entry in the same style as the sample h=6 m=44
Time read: h=9 m=2
